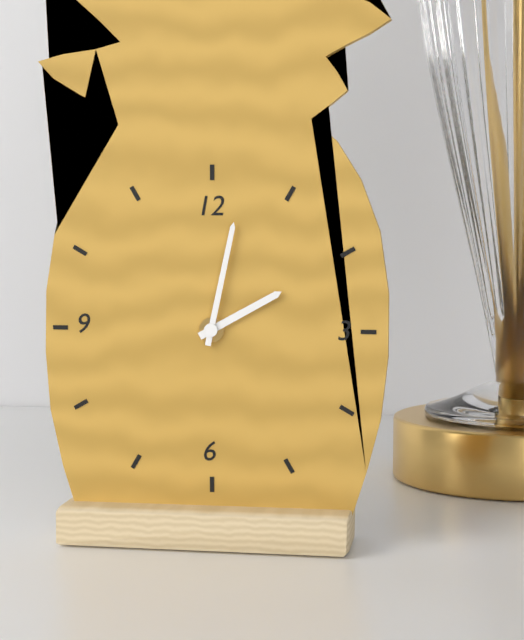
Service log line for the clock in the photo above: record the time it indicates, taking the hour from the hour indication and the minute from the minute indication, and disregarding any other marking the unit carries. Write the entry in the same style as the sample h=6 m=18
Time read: h=2 m=2
